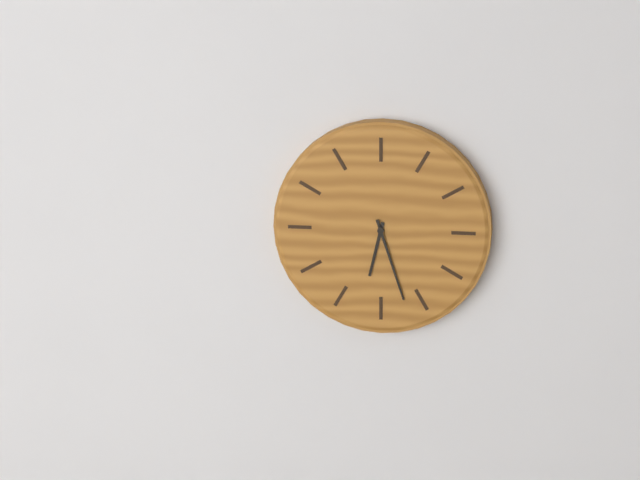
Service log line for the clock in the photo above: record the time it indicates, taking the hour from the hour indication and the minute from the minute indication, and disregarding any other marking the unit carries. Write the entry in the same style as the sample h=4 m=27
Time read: h=6 m=27
